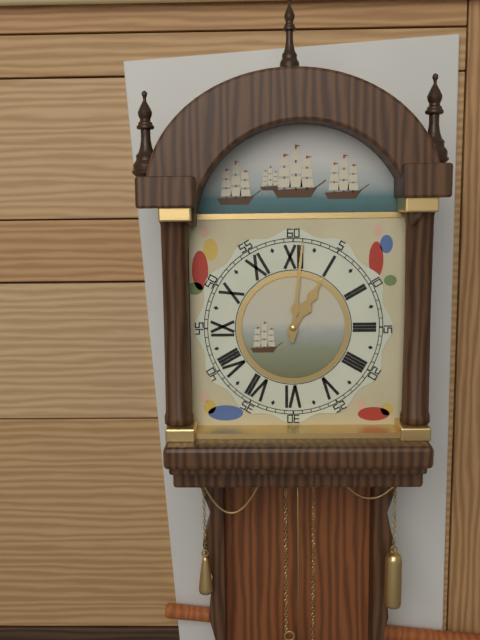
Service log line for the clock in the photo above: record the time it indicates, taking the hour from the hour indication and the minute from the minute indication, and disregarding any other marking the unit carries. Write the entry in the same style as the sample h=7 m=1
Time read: h=1 m=1
